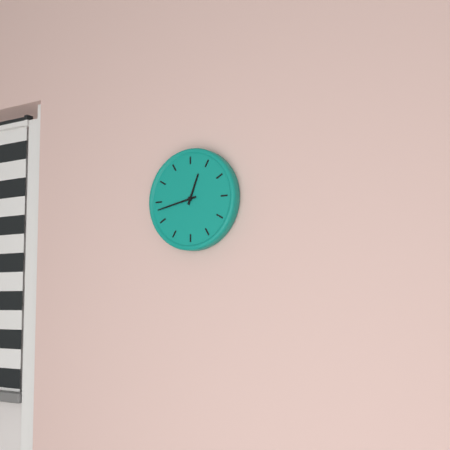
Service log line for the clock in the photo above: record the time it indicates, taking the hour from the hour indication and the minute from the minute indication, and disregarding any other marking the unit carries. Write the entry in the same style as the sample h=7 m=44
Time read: h=12 m=43
